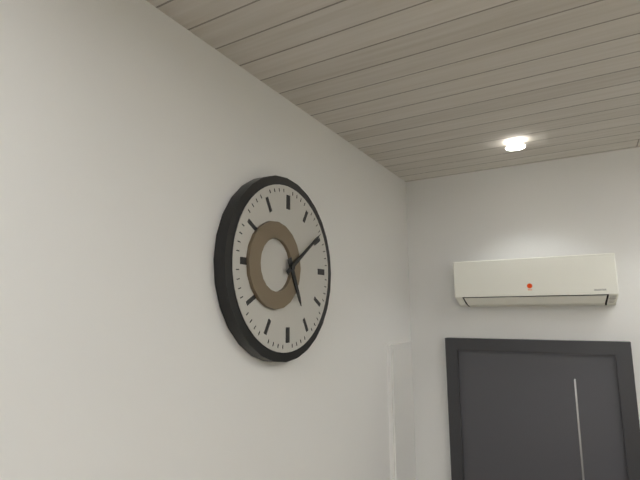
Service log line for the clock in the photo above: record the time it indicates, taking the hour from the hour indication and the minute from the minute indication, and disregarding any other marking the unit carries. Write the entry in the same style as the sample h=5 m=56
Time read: h=5 m=9
